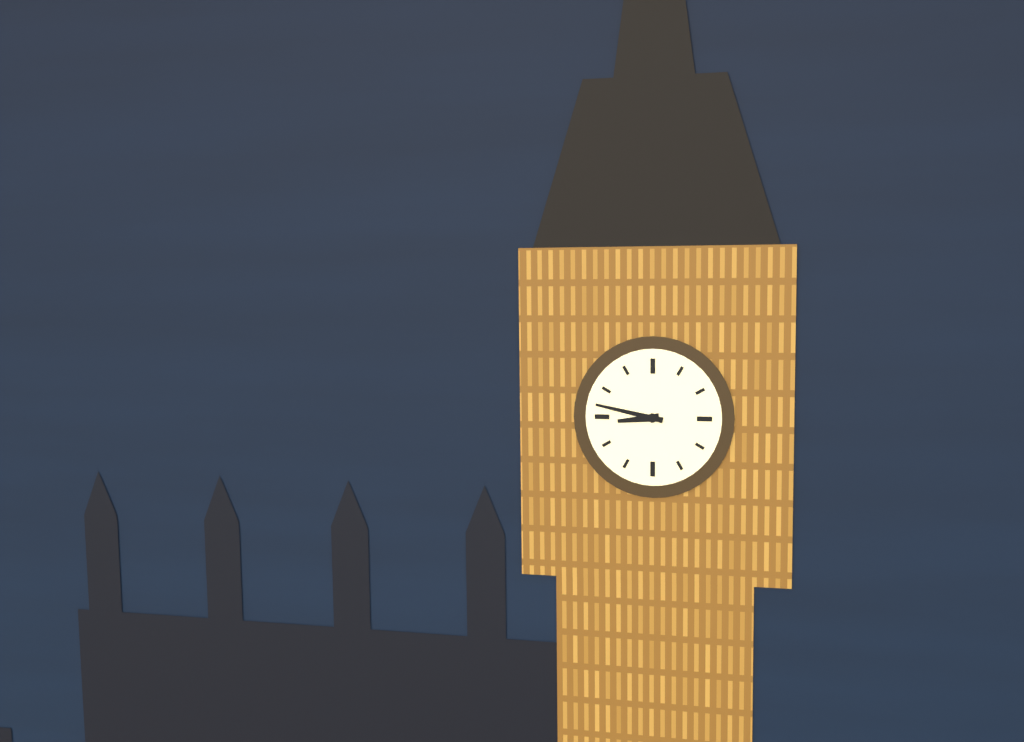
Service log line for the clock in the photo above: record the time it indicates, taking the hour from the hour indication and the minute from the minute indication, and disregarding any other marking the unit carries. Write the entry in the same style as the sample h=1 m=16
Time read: h=8 m=47
